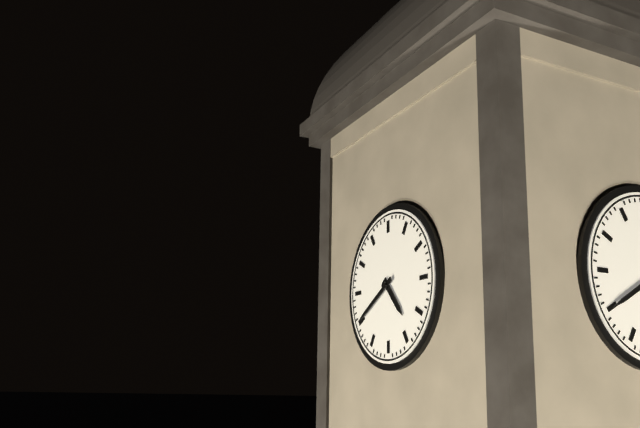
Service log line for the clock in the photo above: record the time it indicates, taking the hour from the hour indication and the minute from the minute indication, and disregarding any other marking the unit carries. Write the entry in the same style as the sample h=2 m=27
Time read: h=4 m=40
